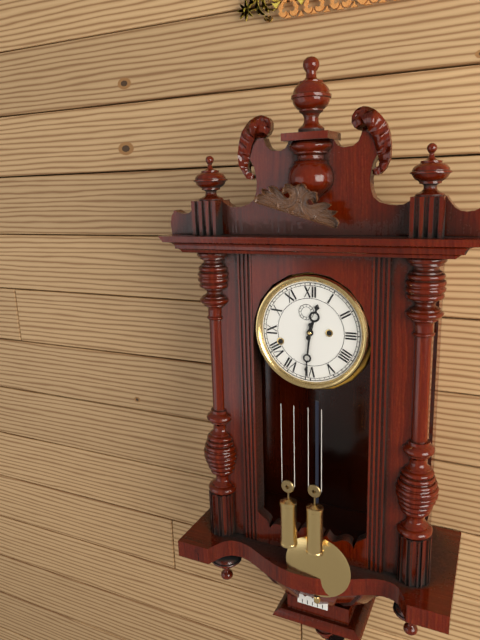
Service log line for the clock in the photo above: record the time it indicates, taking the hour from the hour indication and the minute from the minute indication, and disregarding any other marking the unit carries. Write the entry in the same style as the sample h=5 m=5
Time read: h=12 m=31
